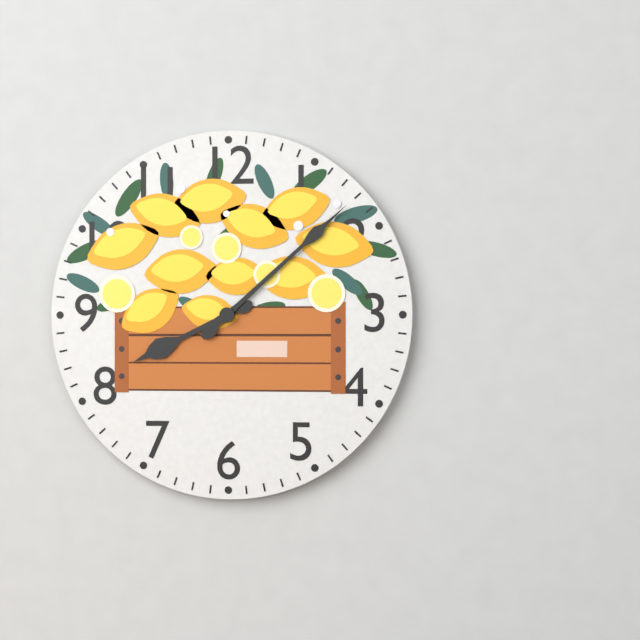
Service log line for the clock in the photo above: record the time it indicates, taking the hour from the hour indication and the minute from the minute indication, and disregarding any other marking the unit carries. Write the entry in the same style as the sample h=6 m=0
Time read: h=8 m=8
